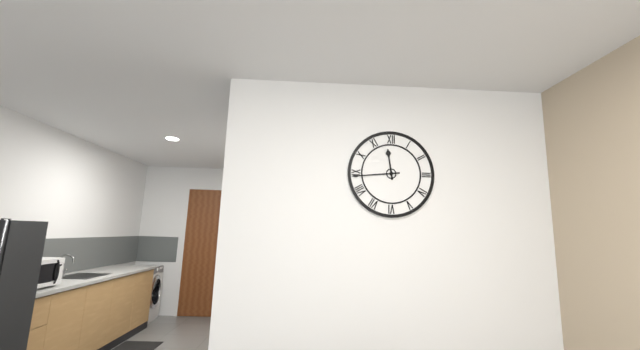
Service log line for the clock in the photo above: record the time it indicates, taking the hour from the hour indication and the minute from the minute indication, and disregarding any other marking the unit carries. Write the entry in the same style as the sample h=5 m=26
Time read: h=11 m=44
